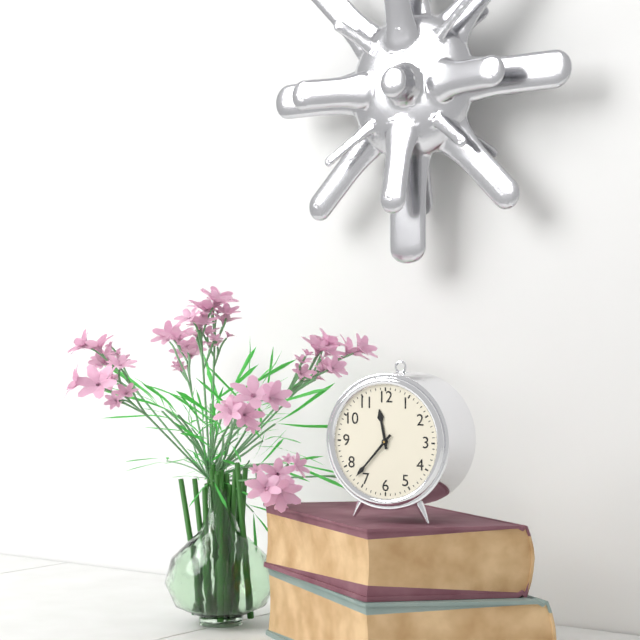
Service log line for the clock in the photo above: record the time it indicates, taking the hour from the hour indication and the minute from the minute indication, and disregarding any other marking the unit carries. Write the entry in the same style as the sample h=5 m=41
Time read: h=11 m=37
